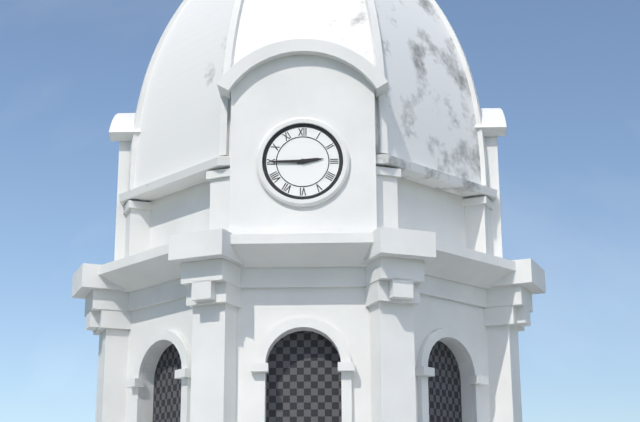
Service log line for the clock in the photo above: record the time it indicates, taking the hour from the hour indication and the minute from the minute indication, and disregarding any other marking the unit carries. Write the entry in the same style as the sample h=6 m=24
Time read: h=2 m=45
